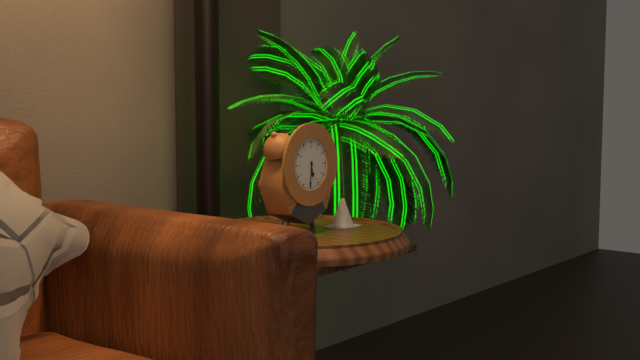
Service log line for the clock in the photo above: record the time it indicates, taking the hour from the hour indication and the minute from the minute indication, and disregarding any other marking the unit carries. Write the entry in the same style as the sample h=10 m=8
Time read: h=5 m=31
